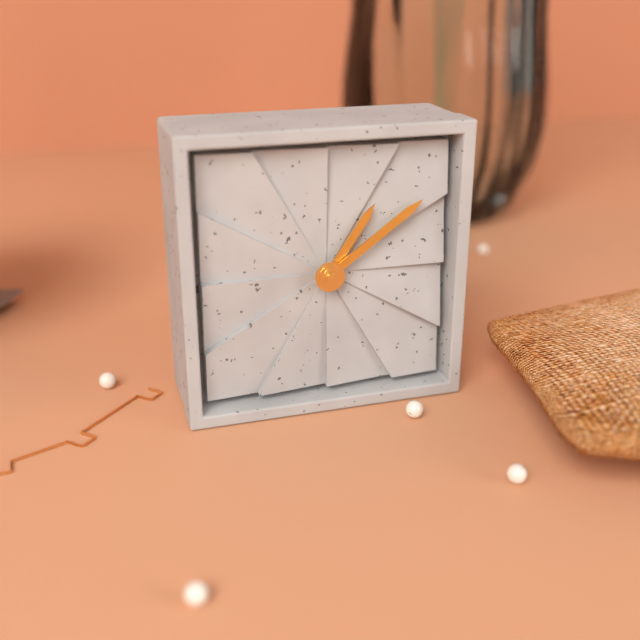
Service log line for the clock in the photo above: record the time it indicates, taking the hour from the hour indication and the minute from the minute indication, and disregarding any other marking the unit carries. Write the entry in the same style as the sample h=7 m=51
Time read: h=1 m=9
